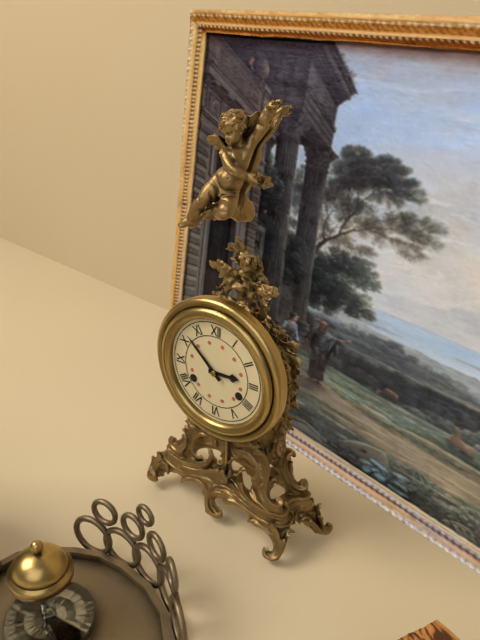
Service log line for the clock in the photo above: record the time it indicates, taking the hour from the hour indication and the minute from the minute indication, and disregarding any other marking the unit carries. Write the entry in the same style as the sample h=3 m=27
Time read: h=2 m=52
